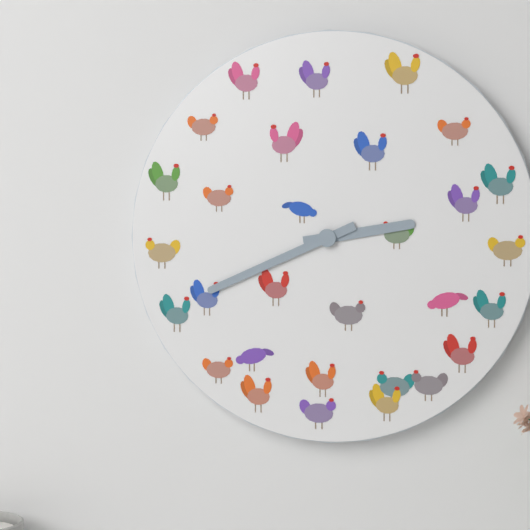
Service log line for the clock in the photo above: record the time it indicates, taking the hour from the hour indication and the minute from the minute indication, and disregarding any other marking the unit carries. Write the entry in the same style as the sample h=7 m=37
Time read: h=2 m=41
